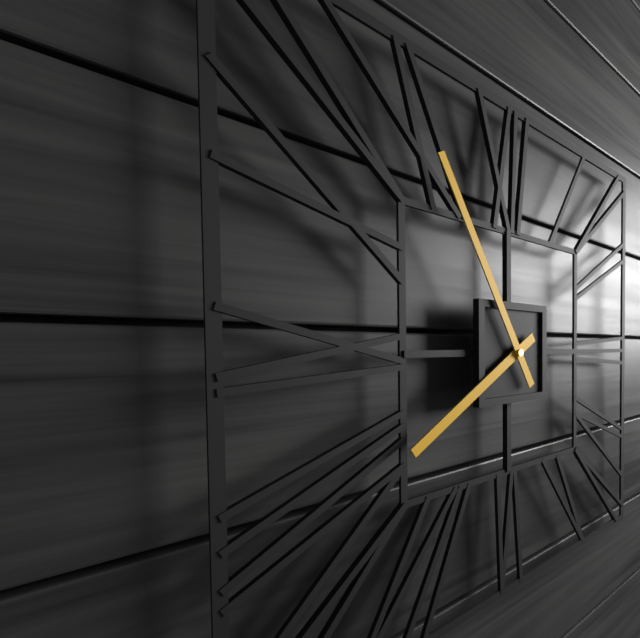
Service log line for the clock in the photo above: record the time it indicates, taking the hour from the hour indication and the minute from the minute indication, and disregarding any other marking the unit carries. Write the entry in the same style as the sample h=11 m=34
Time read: h=7 m=55
